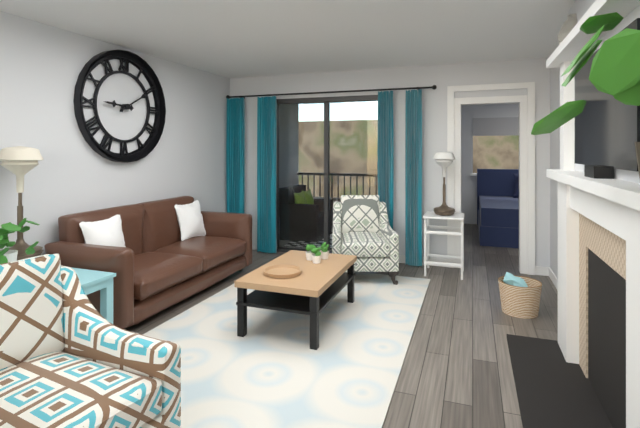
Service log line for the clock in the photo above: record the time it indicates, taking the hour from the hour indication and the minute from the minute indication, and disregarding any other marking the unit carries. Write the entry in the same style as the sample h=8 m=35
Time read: h=9 m=10
